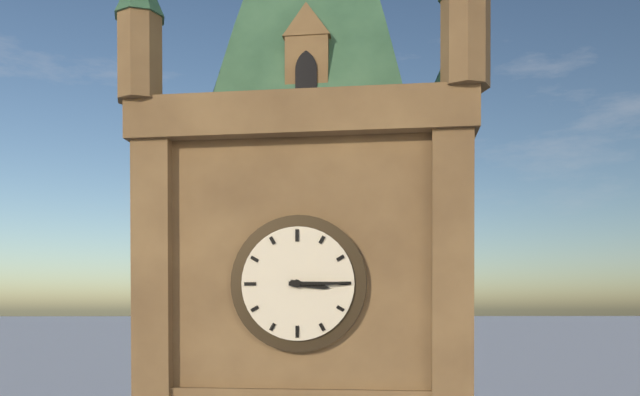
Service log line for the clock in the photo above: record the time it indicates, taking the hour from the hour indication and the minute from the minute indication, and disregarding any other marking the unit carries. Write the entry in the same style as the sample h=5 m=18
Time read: h=3 m=15
